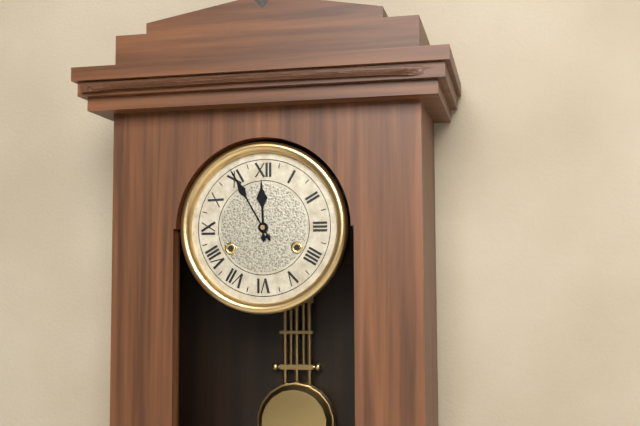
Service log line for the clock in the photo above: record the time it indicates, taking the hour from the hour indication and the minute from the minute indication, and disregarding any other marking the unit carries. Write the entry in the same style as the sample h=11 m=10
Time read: h=11 m=55
